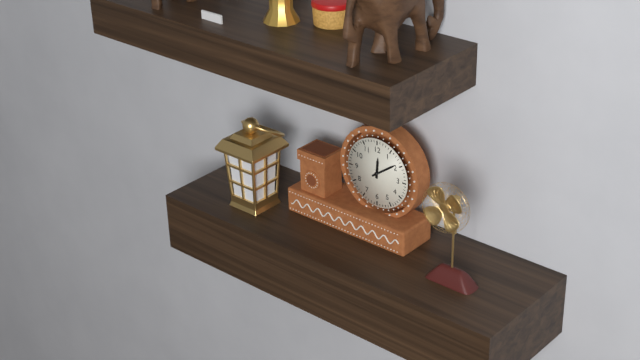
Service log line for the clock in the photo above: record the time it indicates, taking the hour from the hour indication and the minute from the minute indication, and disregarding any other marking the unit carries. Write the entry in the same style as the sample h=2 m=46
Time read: h=12 m=9
